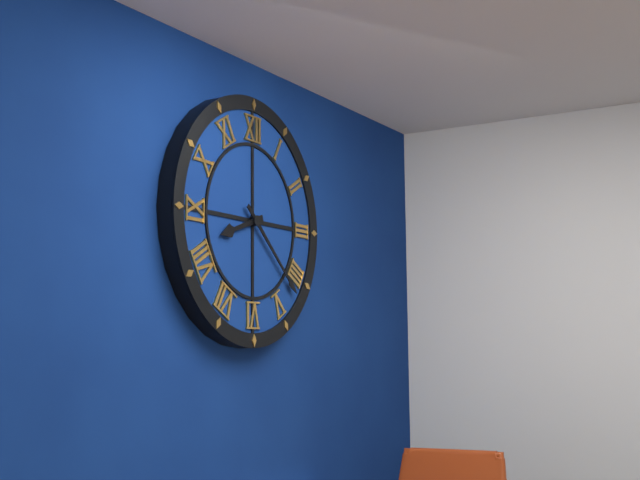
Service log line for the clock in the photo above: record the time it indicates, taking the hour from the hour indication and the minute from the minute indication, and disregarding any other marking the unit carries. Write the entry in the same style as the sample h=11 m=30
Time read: h=8 m=22
